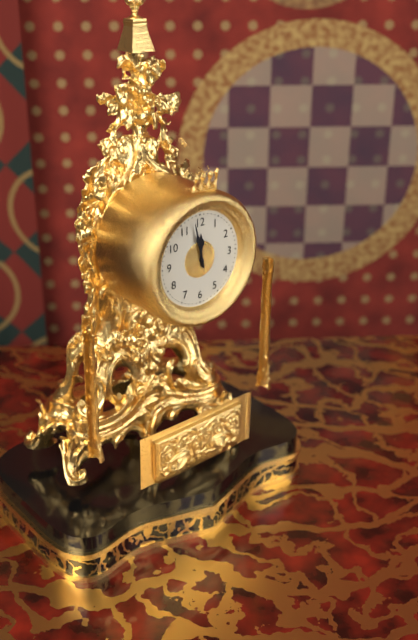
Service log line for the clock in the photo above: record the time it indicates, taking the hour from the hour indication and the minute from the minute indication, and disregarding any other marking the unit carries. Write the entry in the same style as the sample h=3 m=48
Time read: h=11 m=58
